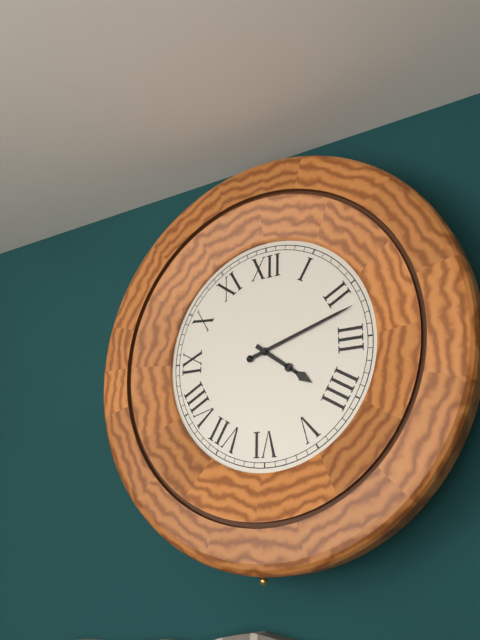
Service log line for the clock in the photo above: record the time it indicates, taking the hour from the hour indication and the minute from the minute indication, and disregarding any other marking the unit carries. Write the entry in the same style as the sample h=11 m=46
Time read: h=4 m=12
